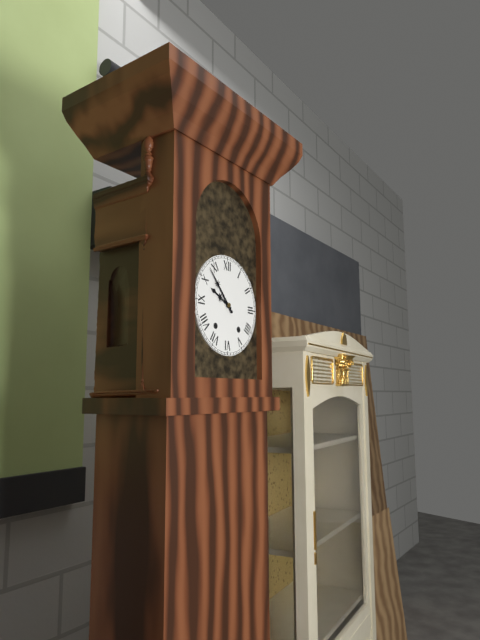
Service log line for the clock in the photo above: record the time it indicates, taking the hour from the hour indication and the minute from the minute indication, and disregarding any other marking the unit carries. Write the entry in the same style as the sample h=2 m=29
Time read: h=9 m=53
